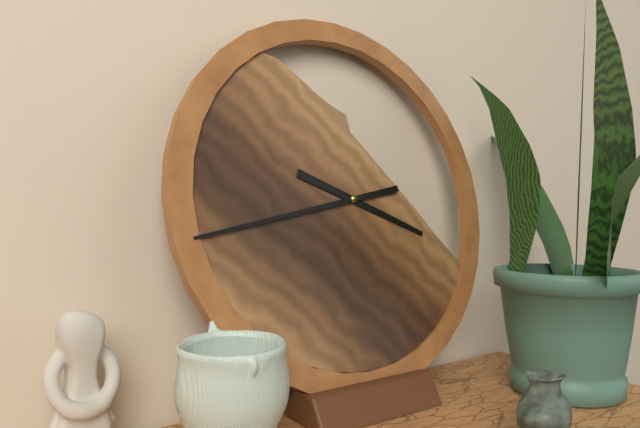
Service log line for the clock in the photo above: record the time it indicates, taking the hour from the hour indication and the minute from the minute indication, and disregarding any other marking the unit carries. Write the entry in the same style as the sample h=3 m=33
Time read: h=3 m=43
